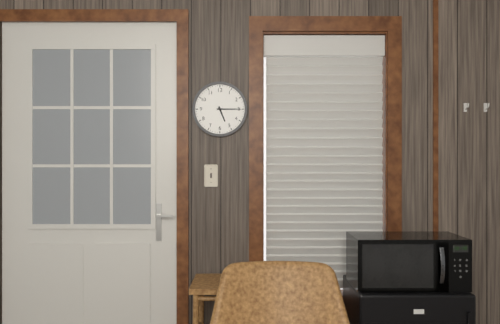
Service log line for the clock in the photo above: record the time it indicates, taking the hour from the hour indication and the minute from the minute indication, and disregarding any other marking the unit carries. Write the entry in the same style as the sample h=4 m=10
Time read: h=5 m=15
